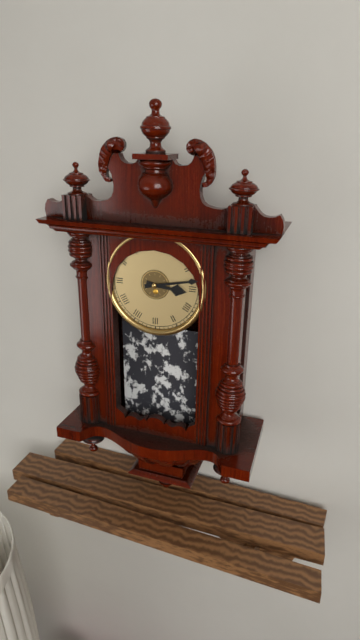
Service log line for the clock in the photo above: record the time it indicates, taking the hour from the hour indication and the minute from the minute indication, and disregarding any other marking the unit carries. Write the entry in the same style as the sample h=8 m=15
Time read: h=3 m=13
